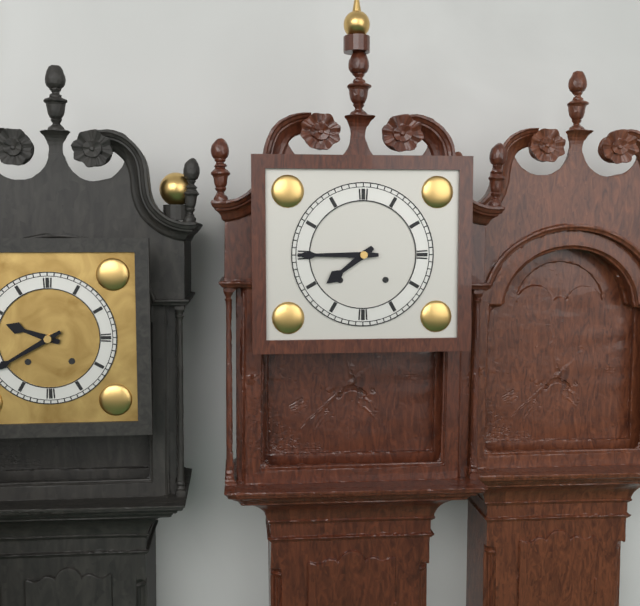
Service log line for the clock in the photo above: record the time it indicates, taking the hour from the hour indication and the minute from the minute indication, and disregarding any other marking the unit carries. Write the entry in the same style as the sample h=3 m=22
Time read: h=7 m=45
